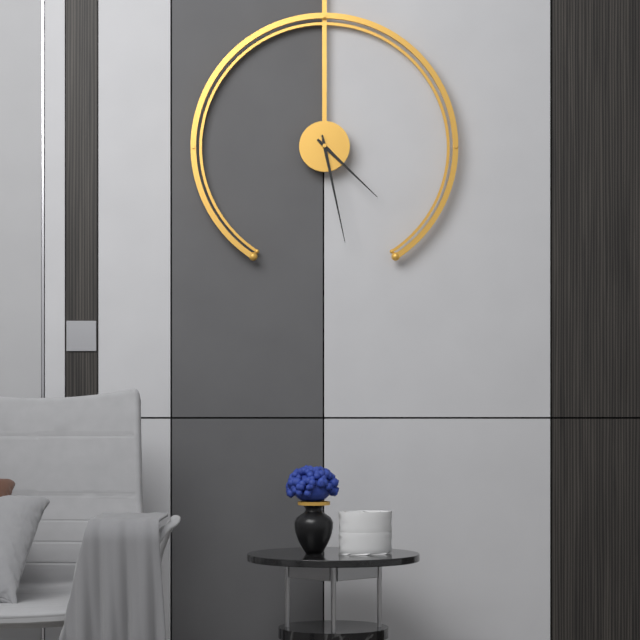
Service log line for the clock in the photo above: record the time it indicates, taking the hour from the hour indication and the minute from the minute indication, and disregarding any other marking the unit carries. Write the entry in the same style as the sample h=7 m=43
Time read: h=4 m=28
